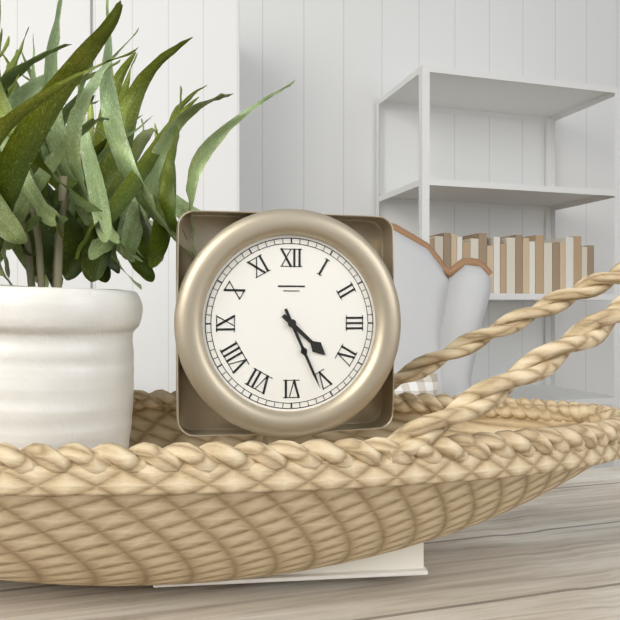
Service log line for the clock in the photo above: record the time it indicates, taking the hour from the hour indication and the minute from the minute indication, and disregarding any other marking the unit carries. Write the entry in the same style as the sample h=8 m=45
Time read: h=4 m=26
